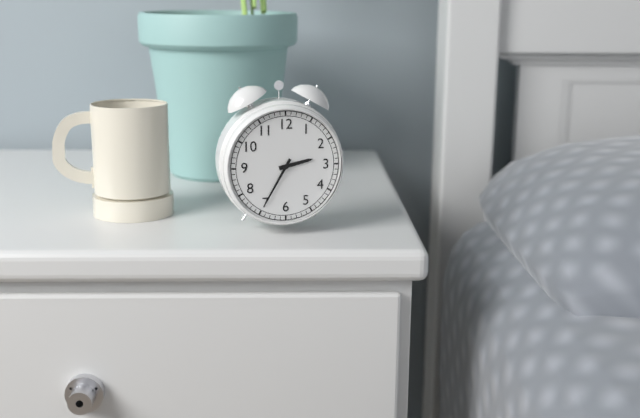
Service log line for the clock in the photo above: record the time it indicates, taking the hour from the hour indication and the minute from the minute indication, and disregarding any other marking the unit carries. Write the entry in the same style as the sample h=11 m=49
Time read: h=2 m=35
